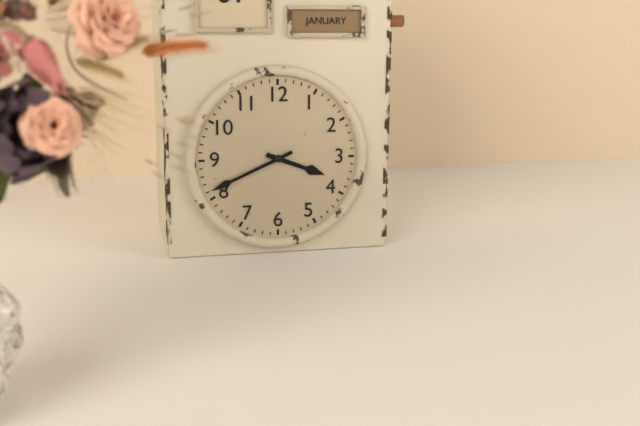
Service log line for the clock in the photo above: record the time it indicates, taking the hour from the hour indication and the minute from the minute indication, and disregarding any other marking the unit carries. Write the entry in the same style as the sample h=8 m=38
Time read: h=3 m=41
